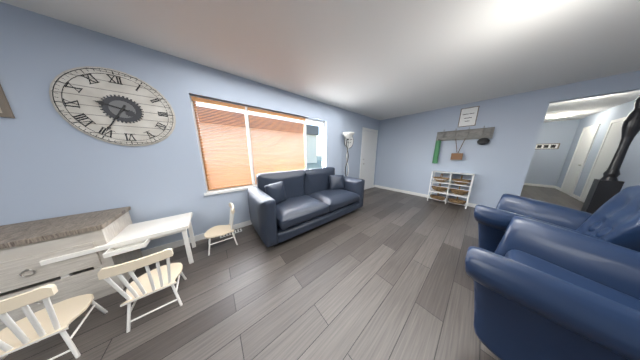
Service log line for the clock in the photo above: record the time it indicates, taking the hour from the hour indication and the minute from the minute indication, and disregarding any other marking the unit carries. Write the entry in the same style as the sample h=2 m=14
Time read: h=9 m=35
